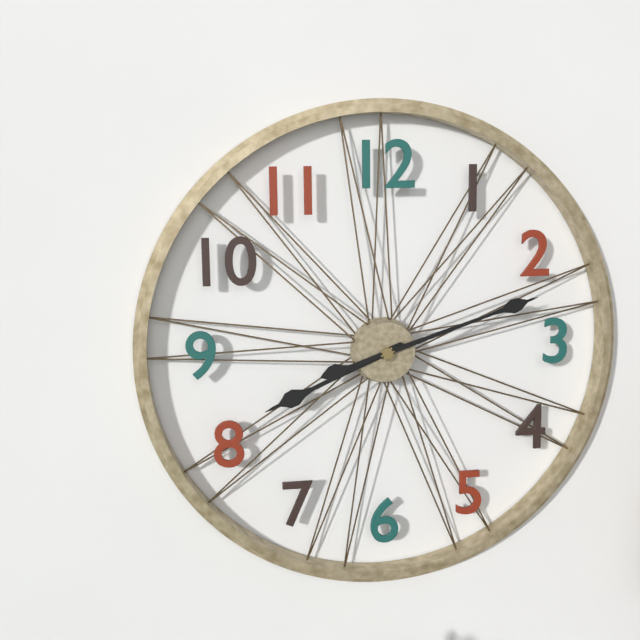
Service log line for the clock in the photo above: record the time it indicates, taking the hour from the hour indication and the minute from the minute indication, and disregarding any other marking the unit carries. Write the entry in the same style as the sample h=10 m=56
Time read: h=8 m=12
